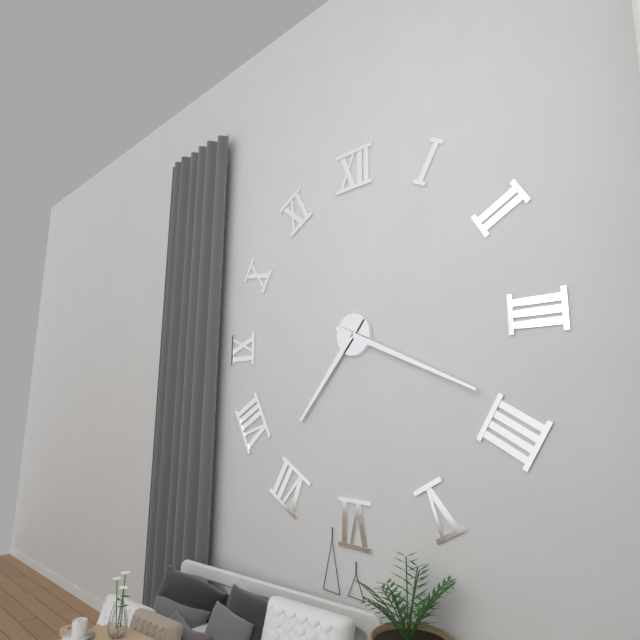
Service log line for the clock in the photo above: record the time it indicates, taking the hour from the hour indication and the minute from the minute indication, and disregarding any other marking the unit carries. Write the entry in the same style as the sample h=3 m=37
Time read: h=7 m=19
